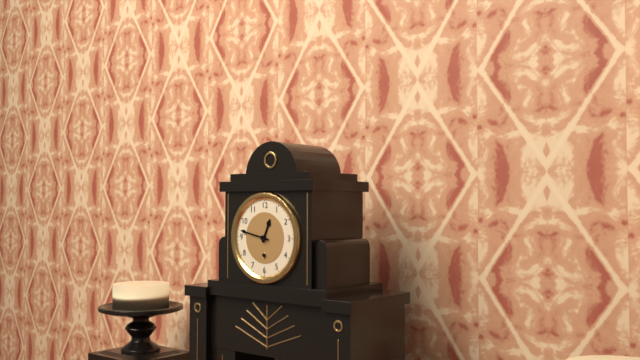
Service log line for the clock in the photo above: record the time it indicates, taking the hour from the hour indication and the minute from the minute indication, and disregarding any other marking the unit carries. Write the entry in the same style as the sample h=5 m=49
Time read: h=12 m=47
